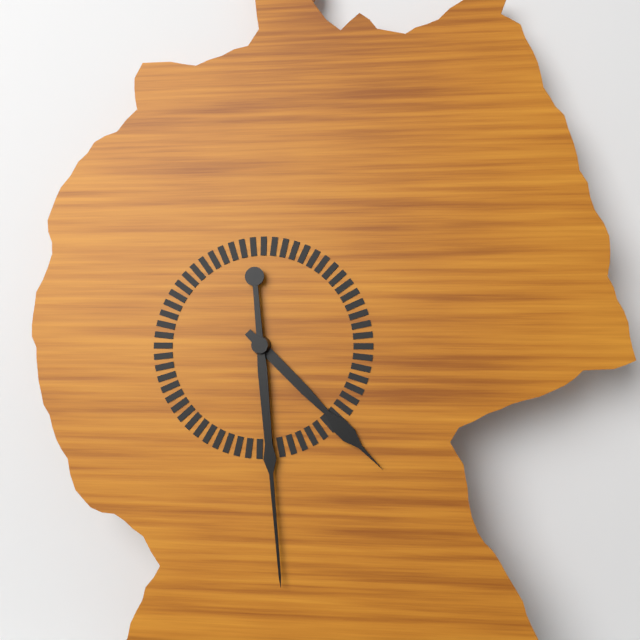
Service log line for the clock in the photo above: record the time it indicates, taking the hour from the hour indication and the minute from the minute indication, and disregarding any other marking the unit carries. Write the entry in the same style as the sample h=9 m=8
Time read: h=4 m=29
